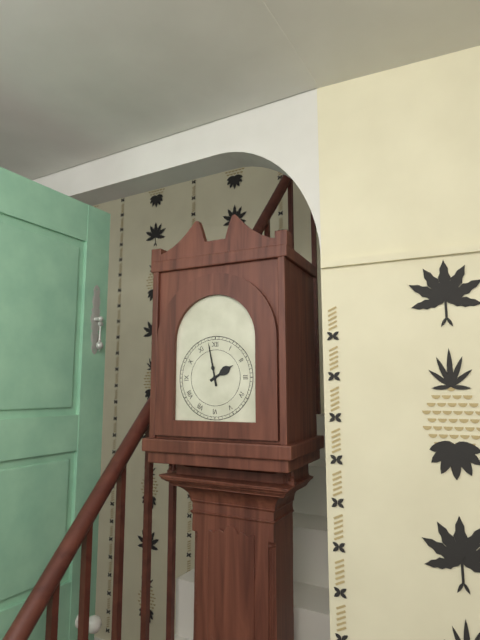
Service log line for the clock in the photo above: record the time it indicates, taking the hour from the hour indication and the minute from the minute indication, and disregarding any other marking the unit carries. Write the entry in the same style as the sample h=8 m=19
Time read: h=1 m=58
